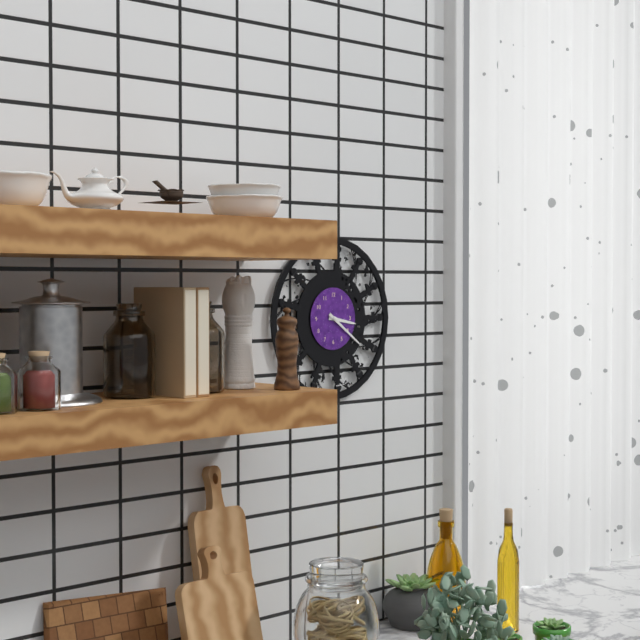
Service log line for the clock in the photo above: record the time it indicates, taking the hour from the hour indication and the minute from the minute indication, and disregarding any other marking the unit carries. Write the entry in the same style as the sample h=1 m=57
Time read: h=3 m=21
